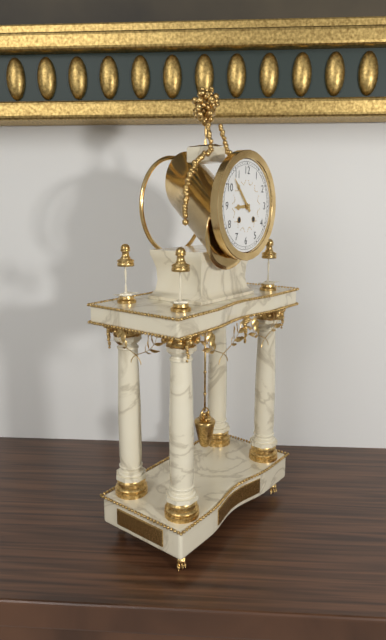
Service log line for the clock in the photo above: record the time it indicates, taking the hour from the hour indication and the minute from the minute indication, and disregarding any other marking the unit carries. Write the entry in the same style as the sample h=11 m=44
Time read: h=8 m=53
